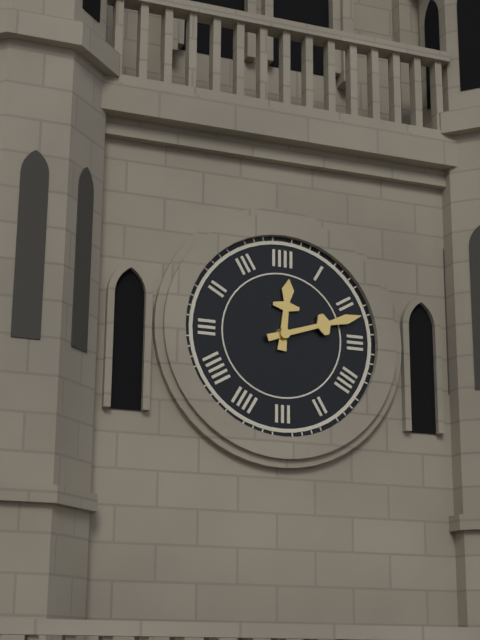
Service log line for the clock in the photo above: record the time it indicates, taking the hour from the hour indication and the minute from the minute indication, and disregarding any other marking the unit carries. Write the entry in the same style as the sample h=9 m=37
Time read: h=12 m=12
